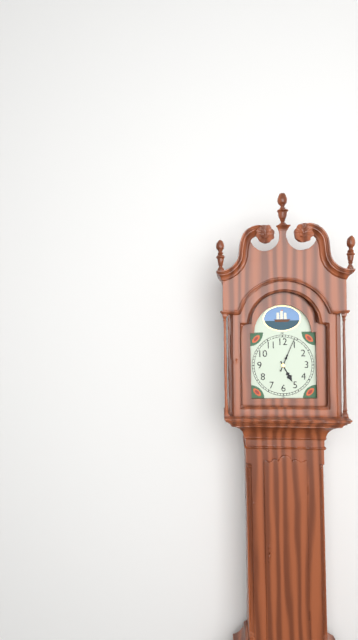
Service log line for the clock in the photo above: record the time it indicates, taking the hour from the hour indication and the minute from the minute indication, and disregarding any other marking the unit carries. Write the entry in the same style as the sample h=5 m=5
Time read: h=5 m=4
